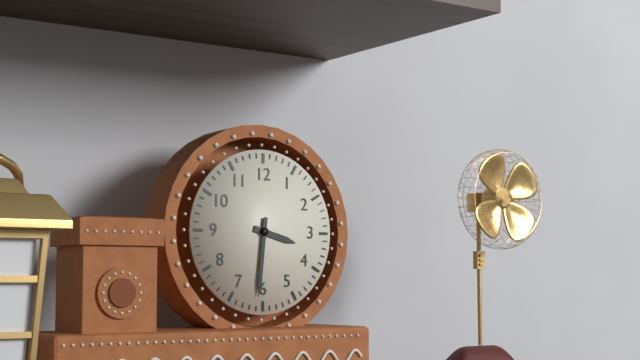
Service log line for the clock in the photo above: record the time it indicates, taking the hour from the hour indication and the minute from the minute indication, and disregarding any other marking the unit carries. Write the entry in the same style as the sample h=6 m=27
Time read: h=3 m=31
